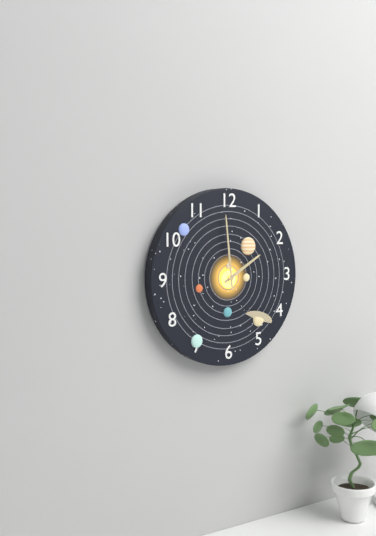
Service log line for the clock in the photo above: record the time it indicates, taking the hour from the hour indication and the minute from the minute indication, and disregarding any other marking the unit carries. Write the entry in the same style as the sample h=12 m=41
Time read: h=1 m=59
